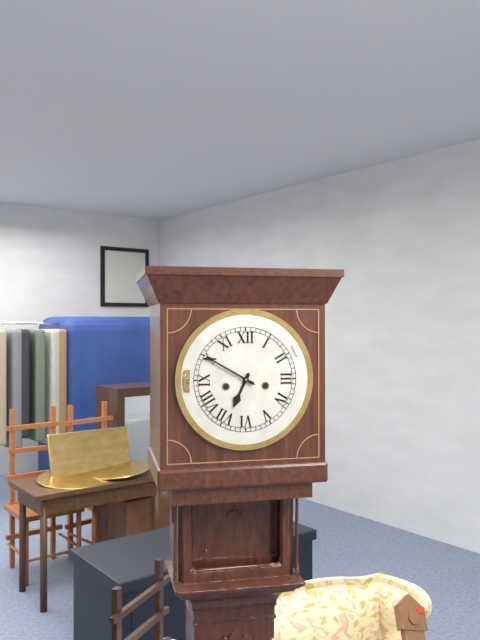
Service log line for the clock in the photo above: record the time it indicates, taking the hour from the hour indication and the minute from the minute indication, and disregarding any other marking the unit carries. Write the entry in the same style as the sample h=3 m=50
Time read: h=6 m=50
